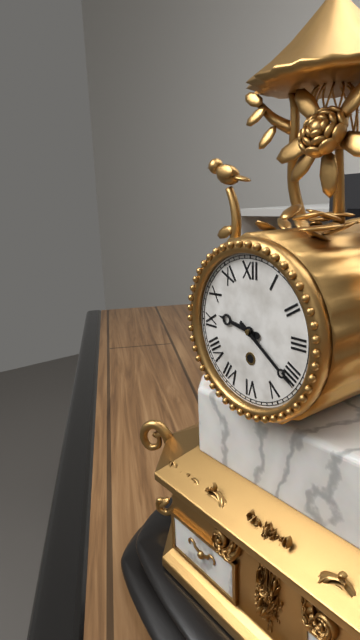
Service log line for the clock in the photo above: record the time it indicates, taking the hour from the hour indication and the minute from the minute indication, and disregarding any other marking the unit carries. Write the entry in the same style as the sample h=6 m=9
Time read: h=9 m=21
